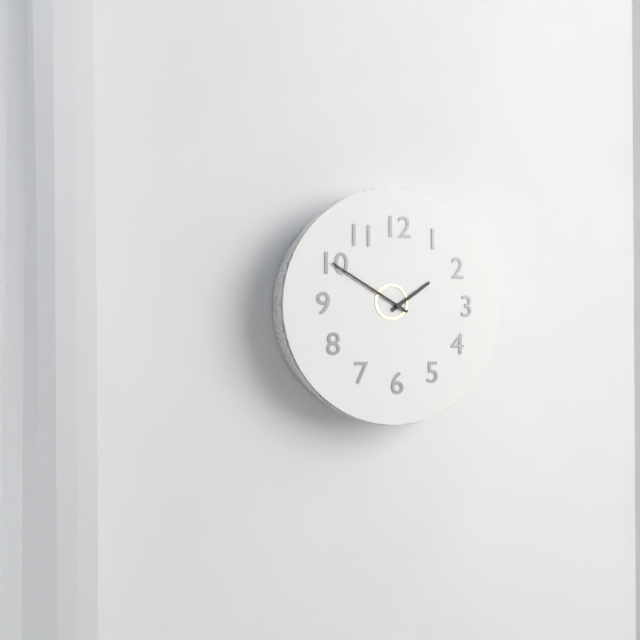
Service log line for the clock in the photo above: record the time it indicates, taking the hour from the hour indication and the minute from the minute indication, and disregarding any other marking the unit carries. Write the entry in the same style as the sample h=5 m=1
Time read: h=1 m=50
